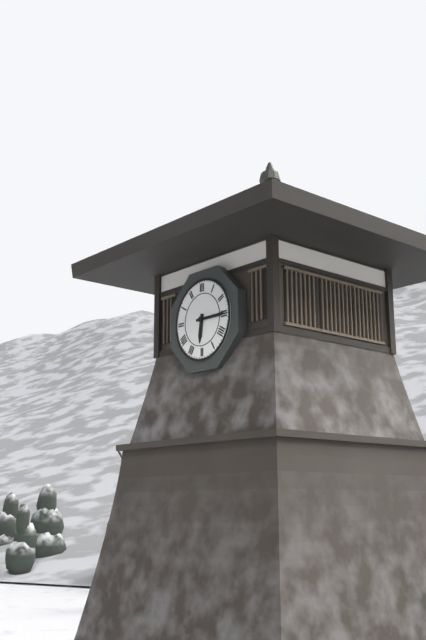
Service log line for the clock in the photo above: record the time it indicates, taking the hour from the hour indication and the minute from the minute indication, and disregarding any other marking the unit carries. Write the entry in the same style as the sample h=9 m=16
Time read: h=6 m=15
